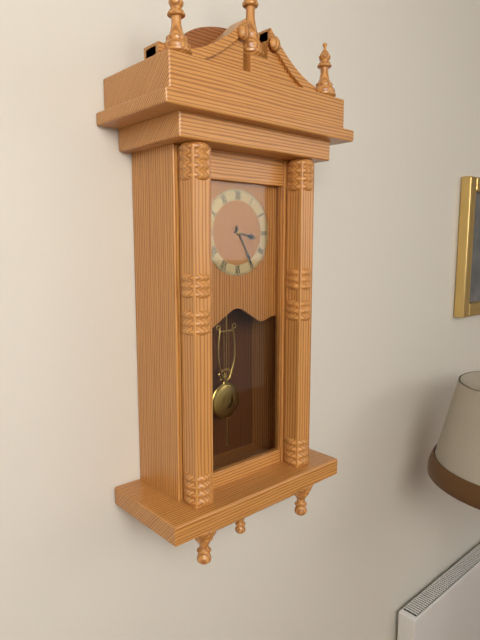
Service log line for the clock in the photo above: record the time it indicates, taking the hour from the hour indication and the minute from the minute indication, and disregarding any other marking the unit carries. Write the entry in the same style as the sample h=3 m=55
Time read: h=3 m=25
